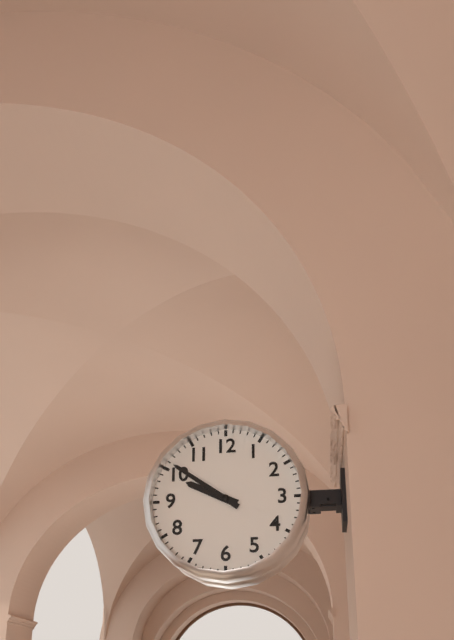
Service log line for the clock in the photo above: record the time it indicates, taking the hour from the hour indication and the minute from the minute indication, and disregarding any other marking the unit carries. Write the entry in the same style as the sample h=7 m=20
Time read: h=9 m=51
